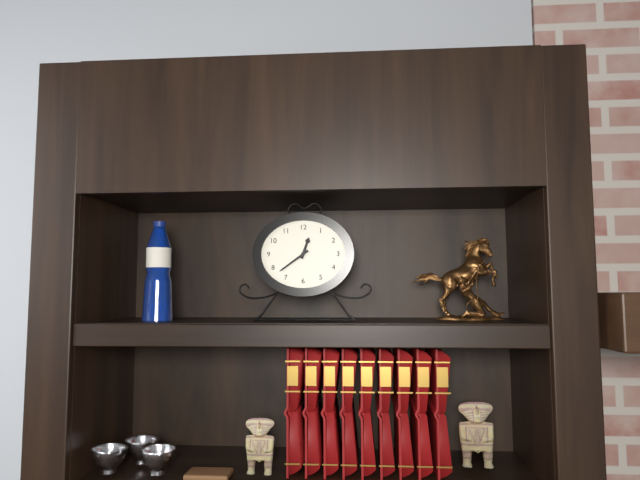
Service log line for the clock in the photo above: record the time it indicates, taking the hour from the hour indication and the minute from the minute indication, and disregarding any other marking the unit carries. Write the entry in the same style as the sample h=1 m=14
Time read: h=12 m=39
